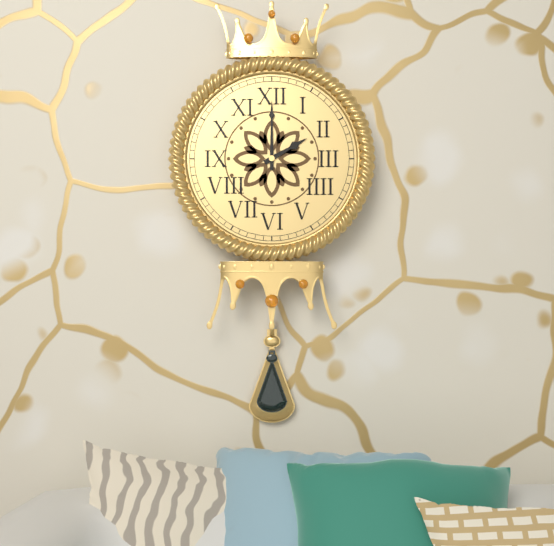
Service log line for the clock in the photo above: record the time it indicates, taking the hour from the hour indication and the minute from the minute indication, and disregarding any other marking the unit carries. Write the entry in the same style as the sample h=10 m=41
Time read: h=2 m=0
